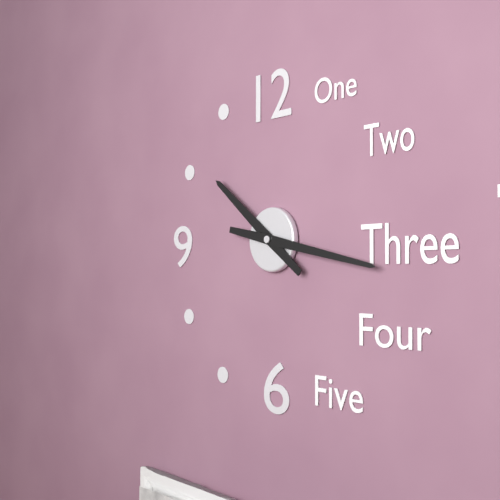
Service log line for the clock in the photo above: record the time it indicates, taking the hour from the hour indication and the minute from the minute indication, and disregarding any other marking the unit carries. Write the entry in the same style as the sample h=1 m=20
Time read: h=10 m=17
